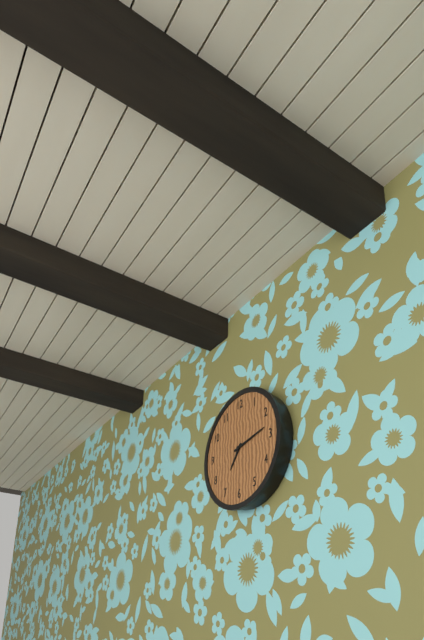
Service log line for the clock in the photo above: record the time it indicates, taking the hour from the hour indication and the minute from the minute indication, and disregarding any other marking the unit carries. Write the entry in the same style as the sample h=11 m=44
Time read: h=7 m=13
